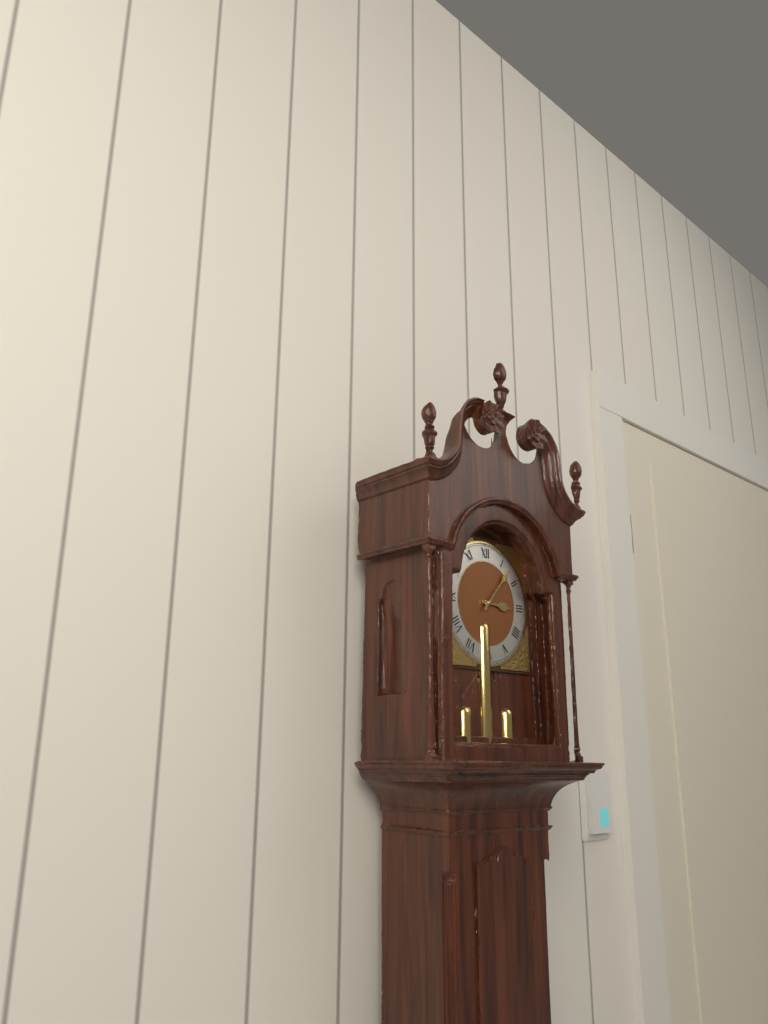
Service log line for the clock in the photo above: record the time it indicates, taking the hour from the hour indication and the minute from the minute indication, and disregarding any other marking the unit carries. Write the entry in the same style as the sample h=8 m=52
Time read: h=3 m=7
